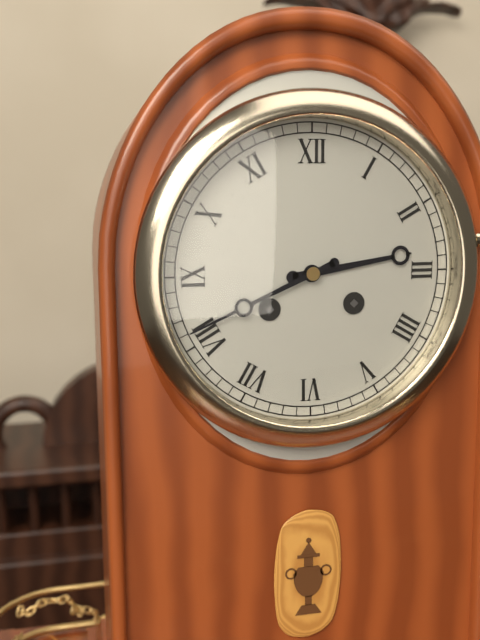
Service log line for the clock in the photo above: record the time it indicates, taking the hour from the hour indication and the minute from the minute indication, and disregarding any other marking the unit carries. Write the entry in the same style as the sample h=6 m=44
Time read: h=2 m=41
